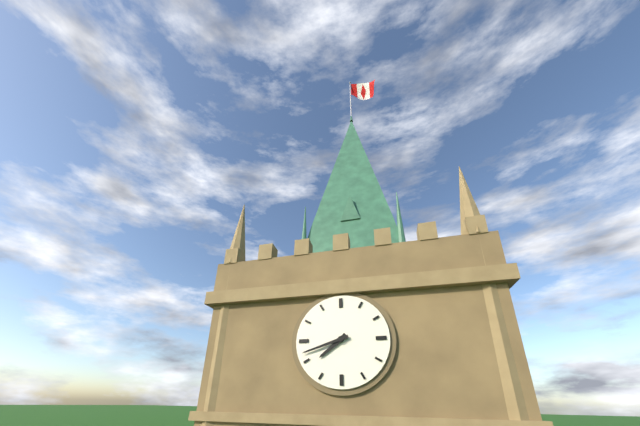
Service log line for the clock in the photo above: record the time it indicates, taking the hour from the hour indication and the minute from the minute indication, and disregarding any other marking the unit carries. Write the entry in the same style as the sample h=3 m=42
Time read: h=7 m=42
